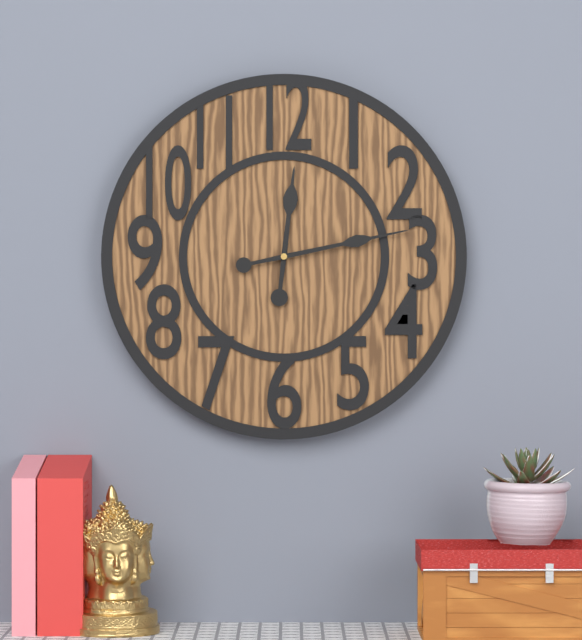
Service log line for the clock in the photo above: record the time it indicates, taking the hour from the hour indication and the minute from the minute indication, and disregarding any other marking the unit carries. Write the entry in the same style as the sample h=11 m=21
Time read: h=12 m=13
